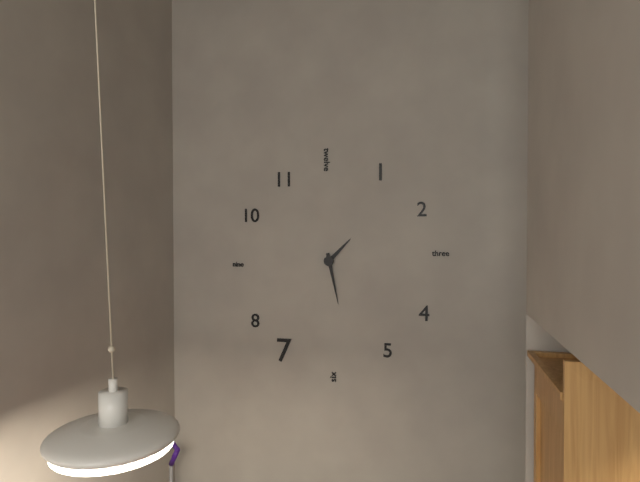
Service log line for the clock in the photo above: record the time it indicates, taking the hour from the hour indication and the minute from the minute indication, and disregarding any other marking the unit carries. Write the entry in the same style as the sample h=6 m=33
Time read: h=1 m=28
